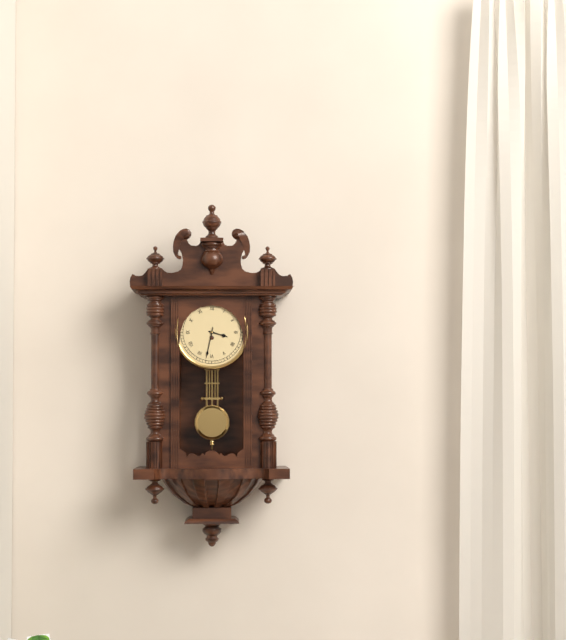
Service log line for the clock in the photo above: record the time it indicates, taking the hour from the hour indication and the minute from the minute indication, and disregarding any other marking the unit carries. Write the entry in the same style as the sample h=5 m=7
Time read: h=3 m=32
